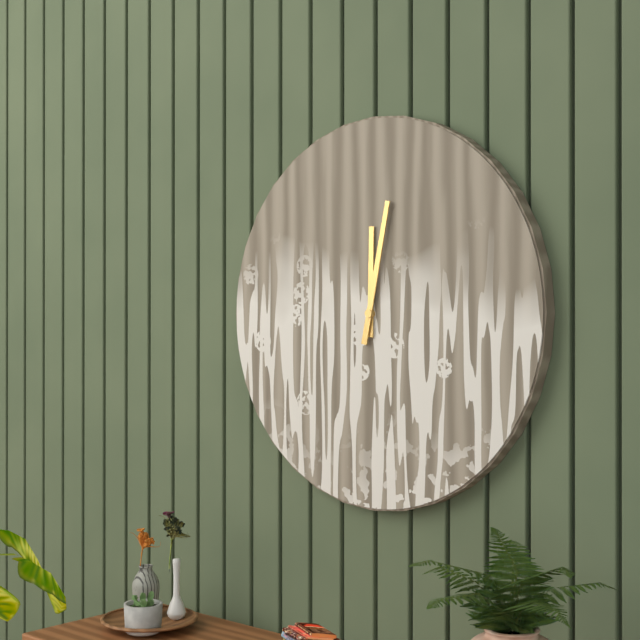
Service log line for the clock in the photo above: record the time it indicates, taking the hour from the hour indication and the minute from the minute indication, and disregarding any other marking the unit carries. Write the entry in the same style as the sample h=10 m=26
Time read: h=12 m=2
